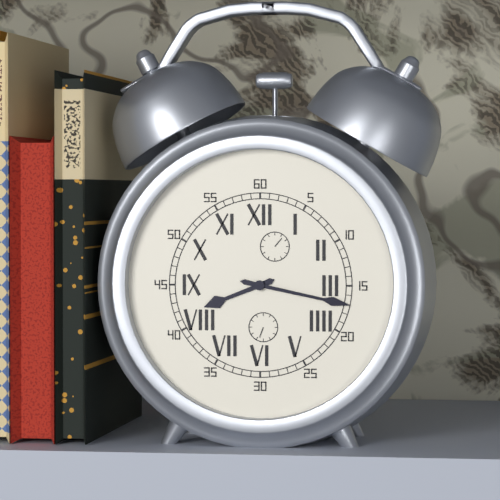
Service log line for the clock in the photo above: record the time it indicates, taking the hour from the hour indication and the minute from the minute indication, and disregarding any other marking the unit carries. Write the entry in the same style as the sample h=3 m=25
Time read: h=8 m=17
